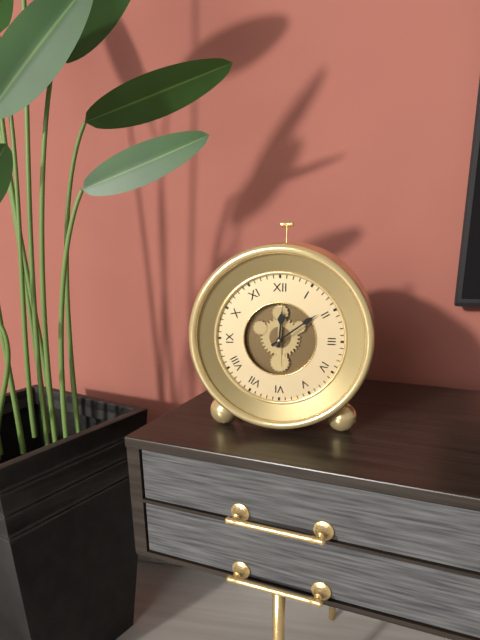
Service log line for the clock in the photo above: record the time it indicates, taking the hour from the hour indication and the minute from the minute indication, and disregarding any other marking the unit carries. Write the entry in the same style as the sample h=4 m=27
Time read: h=12 m=9
